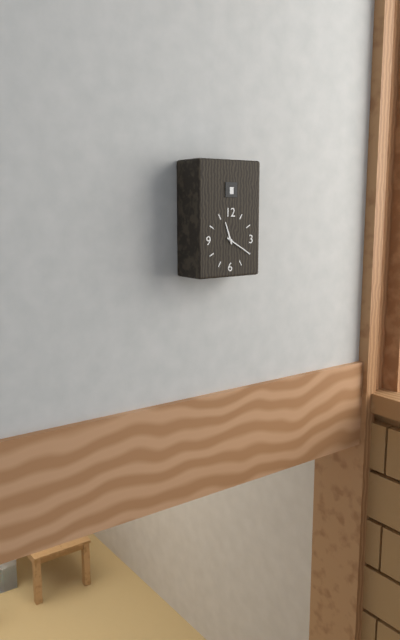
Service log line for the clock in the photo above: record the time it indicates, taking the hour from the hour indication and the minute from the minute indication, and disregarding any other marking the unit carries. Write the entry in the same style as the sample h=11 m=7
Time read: h=11 m=20
